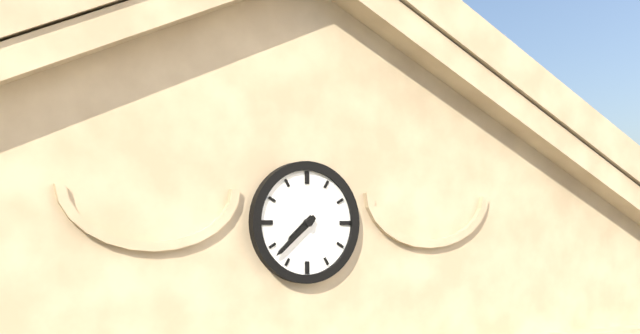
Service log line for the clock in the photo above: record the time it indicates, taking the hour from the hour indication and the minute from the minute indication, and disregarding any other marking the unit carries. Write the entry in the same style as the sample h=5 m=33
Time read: h=7 m=38
